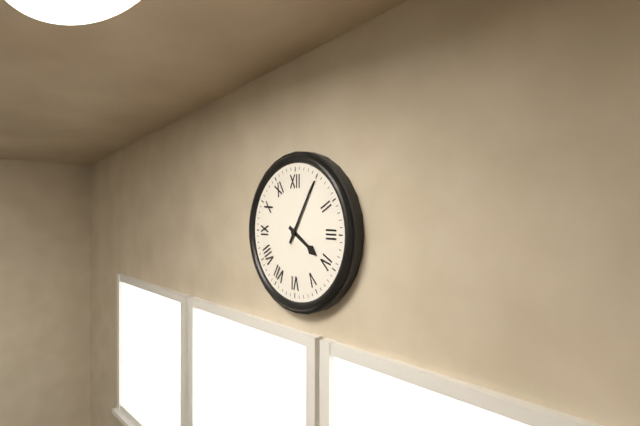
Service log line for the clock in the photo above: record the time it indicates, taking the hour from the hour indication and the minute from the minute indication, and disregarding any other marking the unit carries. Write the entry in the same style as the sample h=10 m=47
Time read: h=4 m=5
